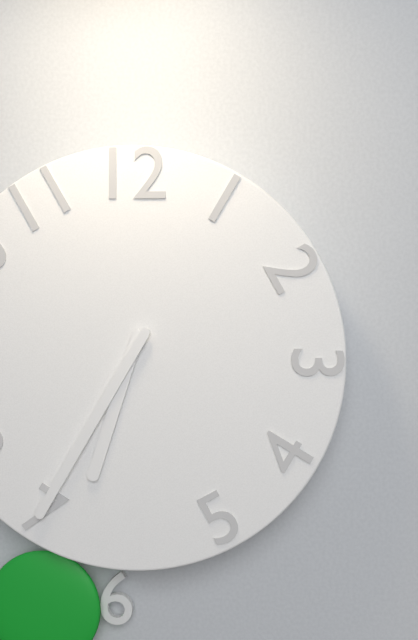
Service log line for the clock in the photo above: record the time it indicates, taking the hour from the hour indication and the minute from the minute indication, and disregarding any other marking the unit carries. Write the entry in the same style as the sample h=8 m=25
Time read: h=6 m=35
